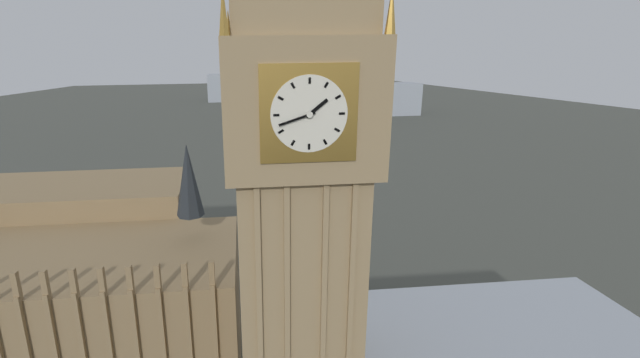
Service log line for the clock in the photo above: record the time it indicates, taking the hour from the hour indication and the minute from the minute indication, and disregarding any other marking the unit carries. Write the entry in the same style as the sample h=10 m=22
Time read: h=1 m=42
